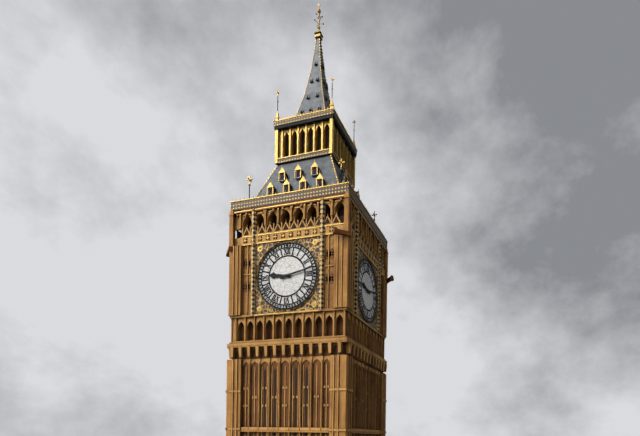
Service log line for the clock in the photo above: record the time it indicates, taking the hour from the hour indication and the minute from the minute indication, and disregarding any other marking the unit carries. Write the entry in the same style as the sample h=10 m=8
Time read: h=9 m=13
